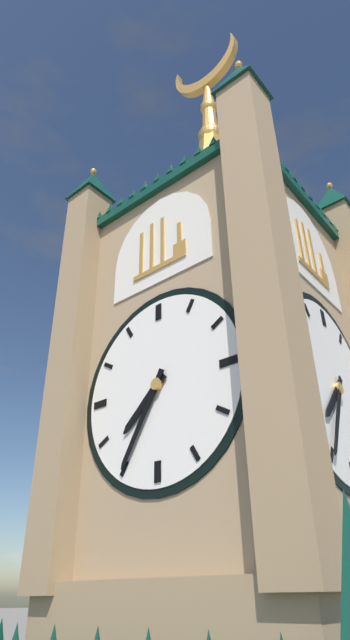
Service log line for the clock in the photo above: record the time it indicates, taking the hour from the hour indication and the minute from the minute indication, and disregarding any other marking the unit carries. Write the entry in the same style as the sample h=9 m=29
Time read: h=7 m=35
